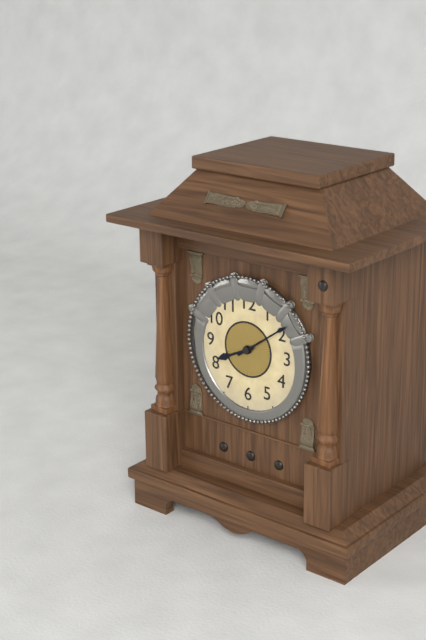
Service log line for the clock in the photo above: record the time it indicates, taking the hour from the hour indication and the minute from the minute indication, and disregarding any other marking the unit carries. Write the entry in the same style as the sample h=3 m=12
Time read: h=8 m=9
